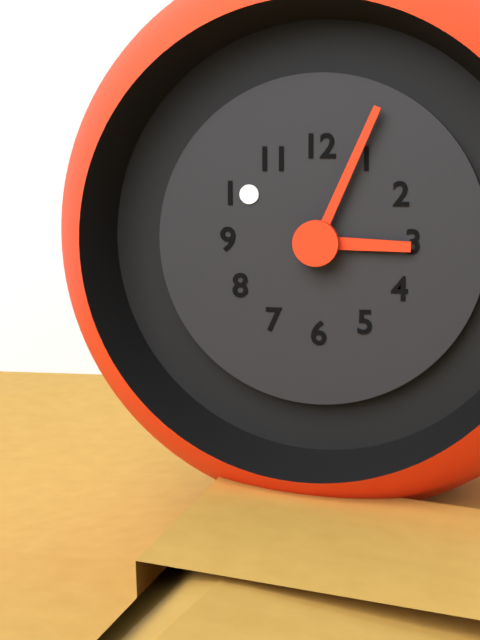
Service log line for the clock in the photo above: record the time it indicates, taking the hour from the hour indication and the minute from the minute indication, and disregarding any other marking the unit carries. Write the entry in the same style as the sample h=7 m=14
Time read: h=3 m=4
